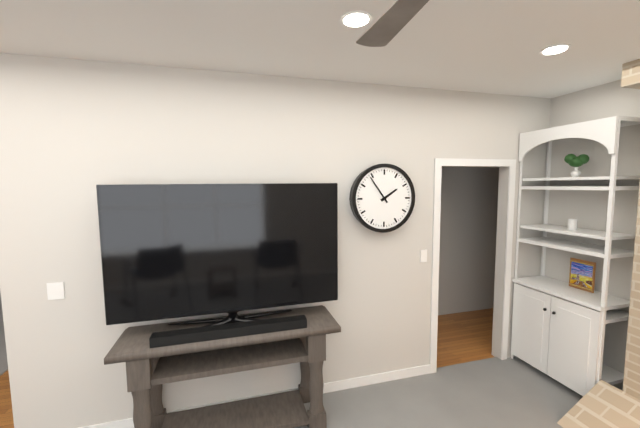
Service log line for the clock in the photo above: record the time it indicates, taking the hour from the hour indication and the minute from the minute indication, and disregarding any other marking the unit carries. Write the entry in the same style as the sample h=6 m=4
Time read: h=1 m=54
